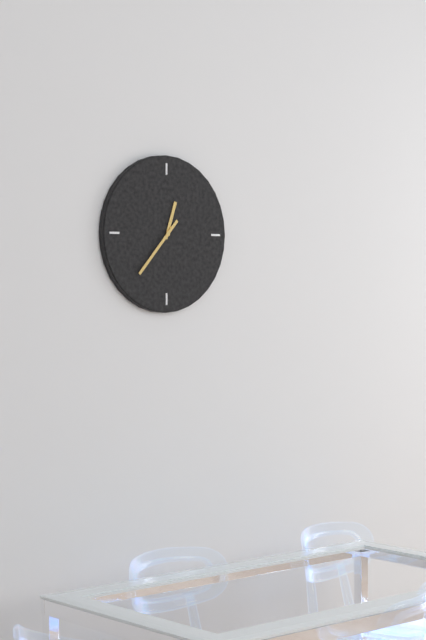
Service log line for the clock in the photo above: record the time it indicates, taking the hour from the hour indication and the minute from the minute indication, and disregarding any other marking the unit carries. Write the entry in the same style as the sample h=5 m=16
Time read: h=12 m=37
